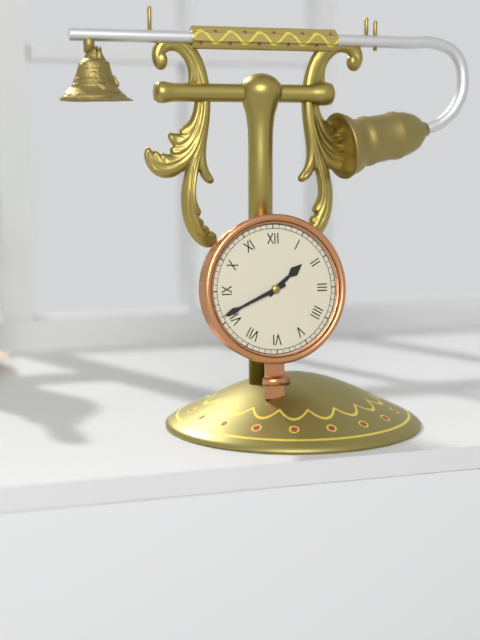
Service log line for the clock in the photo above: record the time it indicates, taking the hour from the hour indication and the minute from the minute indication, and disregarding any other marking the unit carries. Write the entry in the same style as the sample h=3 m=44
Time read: h=1 m=41
